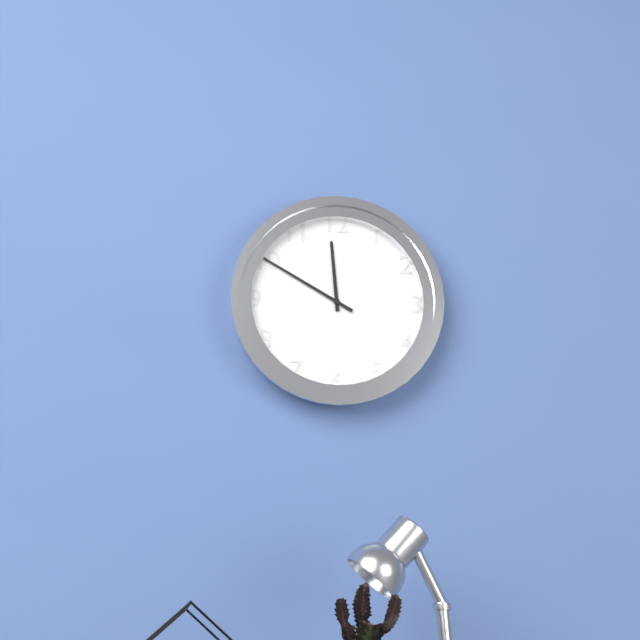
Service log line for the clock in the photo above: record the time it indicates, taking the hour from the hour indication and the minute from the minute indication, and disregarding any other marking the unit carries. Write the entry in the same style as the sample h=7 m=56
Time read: h=11 m=50
